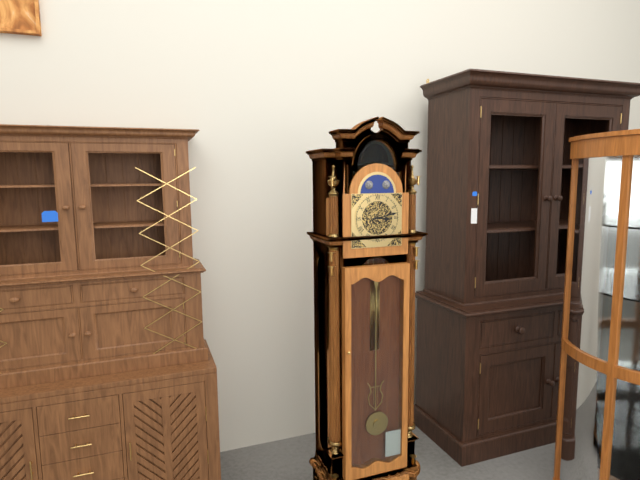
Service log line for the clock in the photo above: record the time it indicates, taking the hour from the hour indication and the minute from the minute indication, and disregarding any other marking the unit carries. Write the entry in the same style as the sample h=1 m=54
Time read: h=3 m=13
